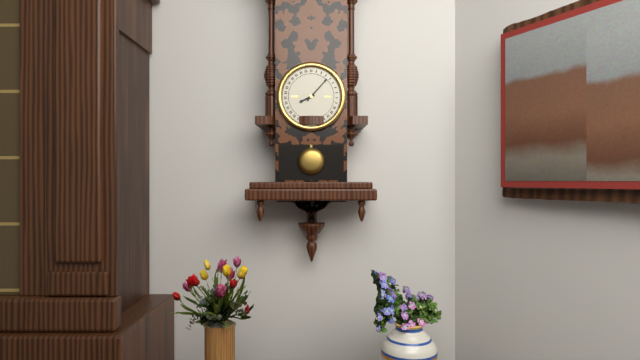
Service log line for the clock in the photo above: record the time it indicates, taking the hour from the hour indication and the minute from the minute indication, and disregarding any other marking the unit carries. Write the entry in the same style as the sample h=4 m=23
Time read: h=8 m=7
